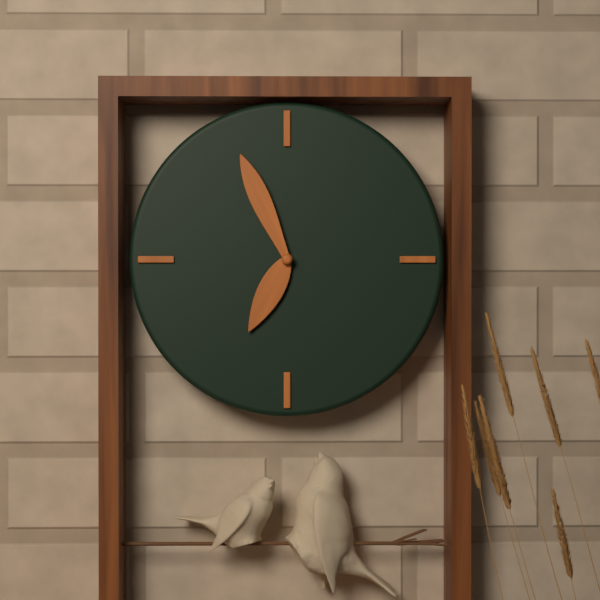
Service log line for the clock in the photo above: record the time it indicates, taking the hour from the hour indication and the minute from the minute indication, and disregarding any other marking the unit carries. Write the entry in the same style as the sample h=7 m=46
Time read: h=6 m=56
